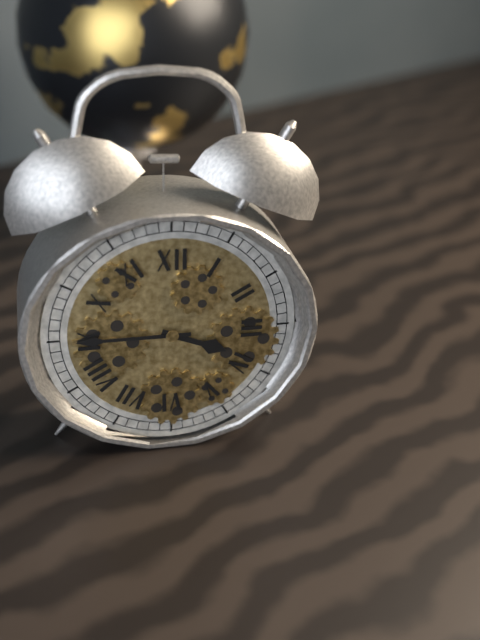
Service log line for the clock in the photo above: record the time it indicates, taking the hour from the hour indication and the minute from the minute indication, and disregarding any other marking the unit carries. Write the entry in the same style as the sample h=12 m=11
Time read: h=3 m=45
